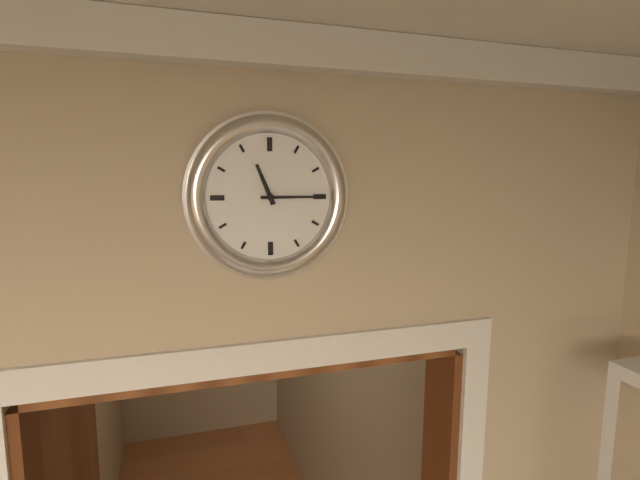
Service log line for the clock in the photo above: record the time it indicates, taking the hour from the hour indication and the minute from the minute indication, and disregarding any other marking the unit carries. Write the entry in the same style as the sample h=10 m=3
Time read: h=11 m=15
